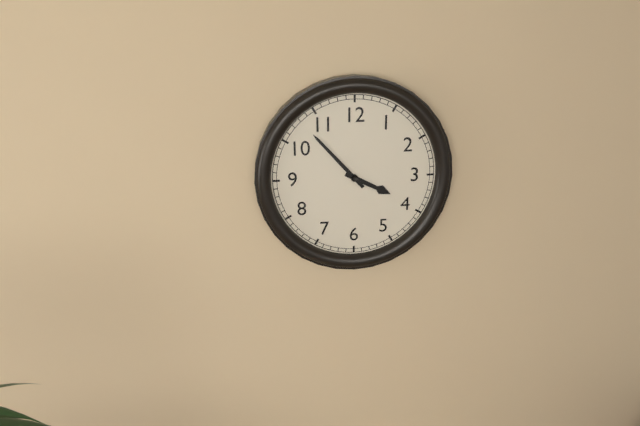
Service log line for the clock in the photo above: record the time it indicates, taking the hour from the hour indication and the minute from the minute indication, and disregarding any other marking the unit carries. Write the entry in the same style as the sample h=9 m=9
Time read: h=3 m=53
